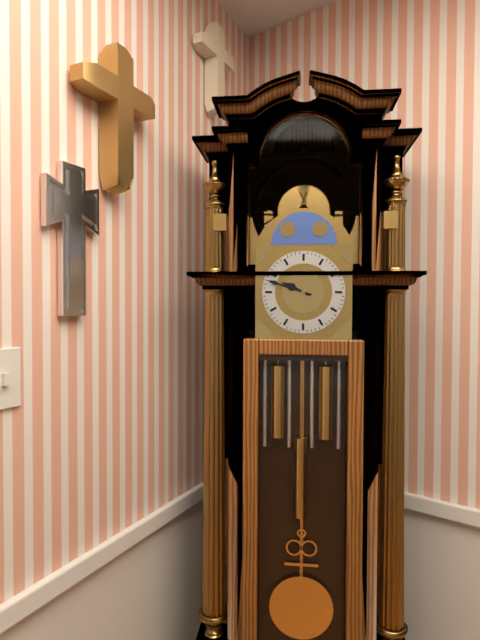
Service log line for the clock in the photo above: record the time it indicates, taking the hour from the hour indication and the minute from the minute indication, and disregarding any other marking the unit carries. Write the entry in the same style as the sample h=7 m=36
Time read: h=9 m=48
